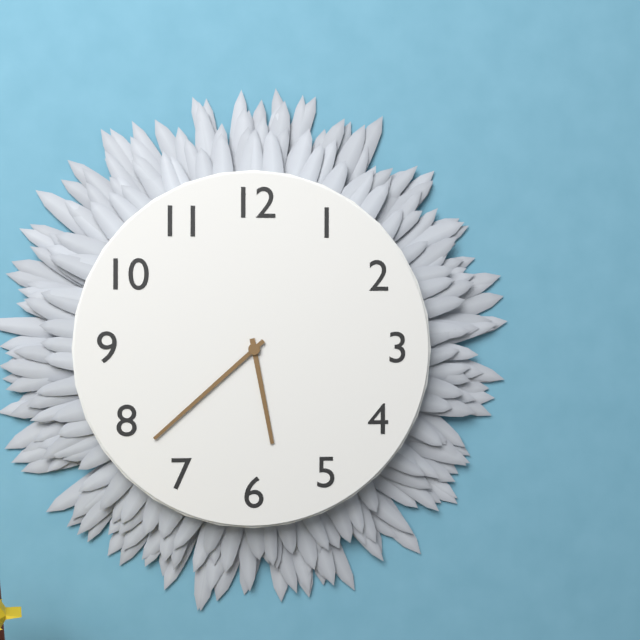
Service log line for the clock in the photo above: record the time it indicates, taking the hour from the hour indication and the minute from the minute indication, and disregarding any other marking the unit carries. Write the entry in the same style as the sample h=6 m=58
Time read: h=5 m=38
